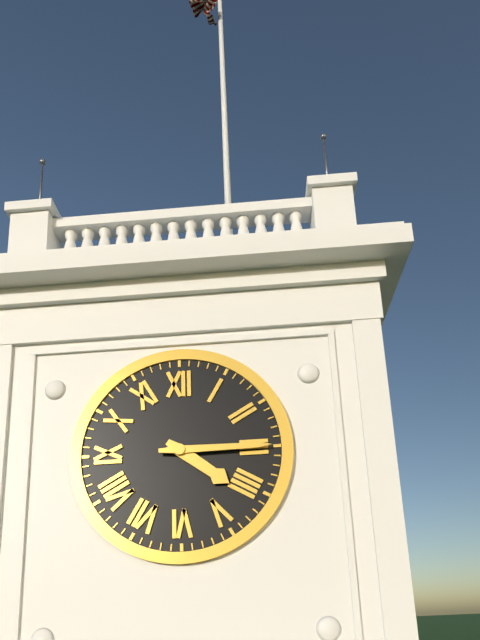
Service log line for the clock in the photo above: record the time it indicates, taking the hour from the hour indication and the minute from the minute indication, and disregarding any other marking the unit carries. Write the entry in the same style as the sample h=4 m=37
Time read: h=4 m=15
